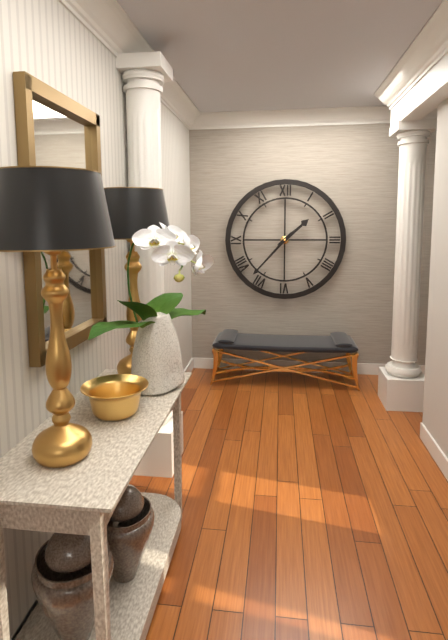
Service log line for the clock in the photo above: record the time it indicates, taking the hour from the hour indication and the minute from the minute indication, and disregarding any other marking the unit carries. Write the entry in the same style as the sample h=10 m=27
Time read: h=1 m=37
